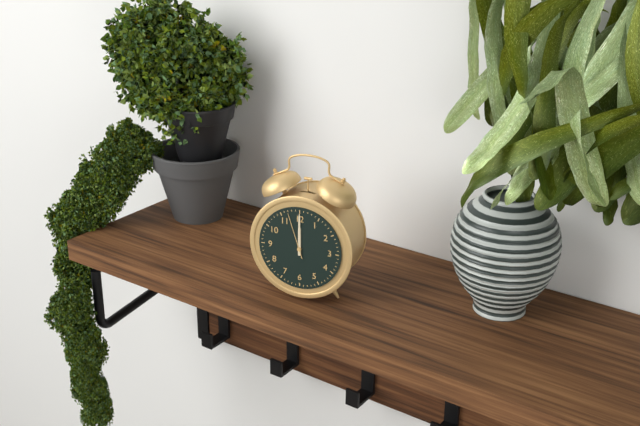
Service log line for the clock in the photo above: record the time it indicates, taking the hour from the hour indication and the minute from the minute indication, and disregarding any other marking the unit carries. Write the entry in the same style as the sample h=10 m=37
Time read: h=12 m=0
